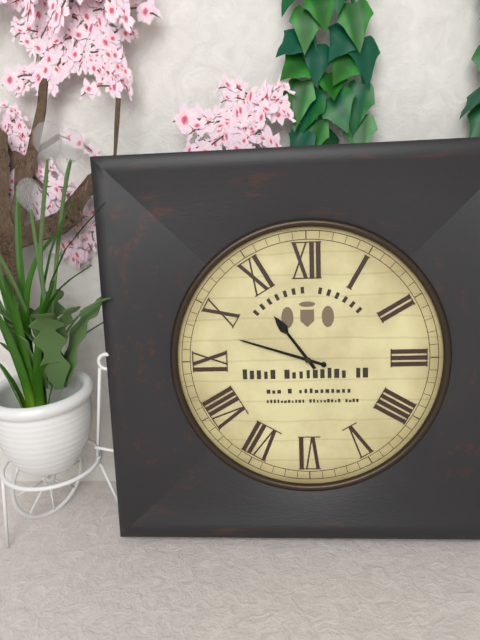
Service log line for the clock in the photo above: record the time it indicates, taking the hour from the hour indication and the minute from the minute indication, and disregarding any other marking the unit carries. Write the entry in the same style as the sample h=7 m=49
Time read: h=10 m=48
